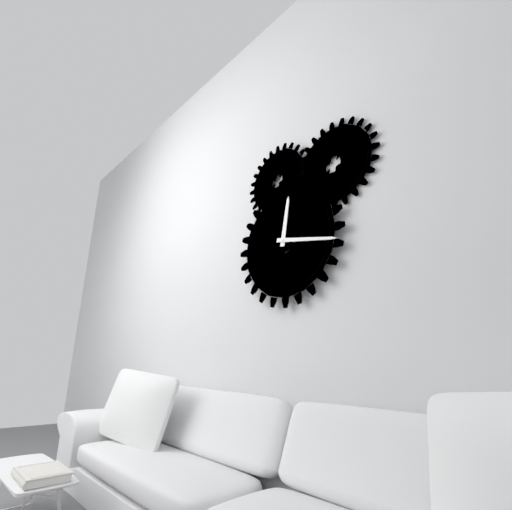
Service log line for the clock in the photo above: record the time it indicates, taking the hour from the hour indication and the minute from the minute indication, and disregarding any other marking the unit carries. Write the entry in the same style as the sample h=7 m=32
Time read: h=12 m=17
